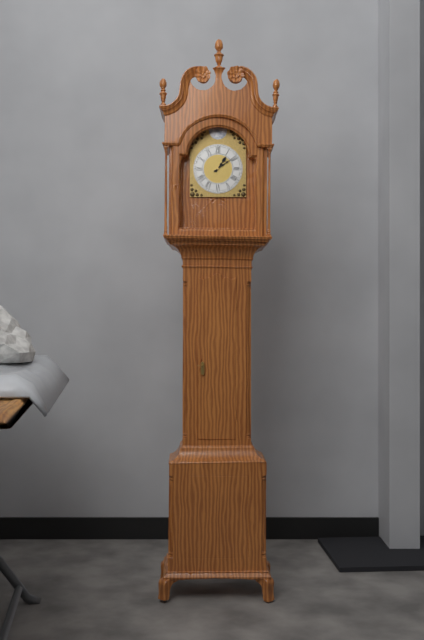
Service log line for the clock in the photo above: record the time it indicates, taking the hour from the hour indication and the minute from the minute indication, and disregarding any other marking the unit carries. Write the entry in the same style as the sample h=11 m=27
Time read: h=1 m=9
